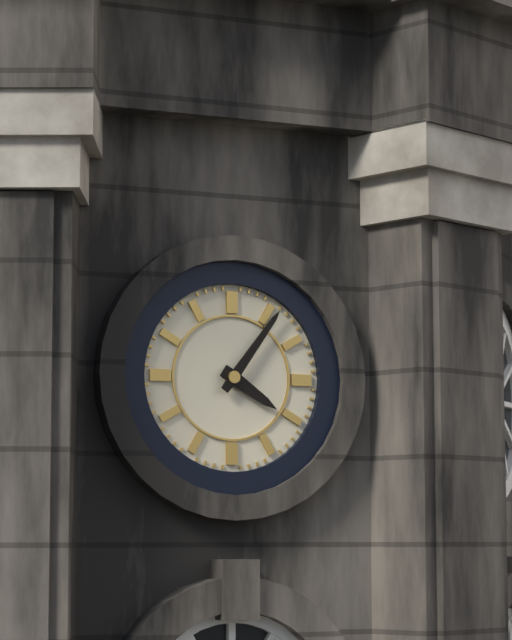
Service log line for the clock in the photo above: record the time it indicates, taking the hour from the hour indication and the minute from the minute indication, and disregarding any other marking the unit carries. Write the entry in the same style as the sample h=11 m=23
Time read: h=4 m=6
